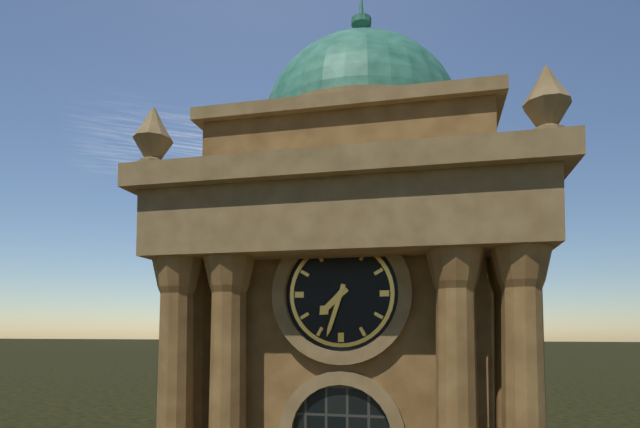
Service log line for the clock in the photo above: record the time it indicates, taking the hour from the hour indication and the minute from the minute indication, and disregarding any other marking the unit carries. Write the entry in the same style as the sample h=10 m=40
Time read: h=7 m=33
